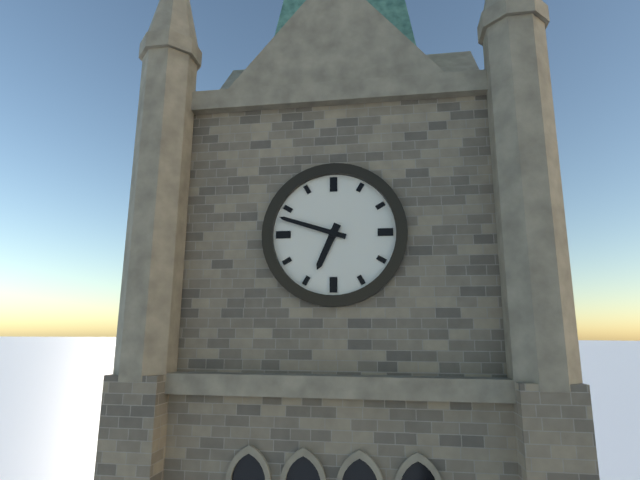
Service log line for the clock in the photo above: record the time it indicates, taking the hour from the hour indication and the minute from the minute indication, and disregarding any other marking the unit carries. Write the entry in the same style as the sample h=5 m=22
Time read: h=6 m=48
